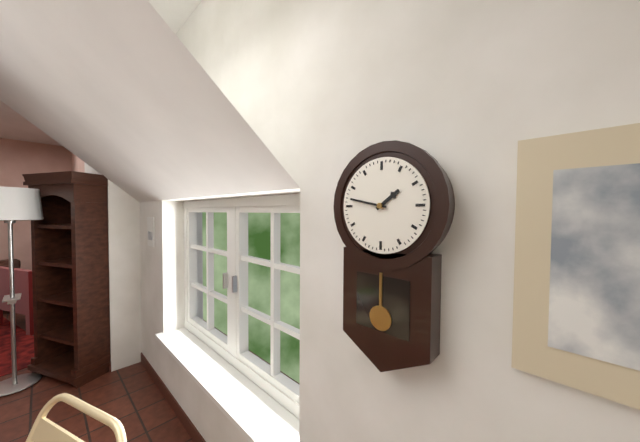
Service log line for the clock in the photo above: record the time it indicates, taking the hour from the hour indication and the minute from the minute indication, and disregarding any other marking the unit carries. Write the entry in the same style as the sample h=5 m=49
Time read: h=1 m=47
